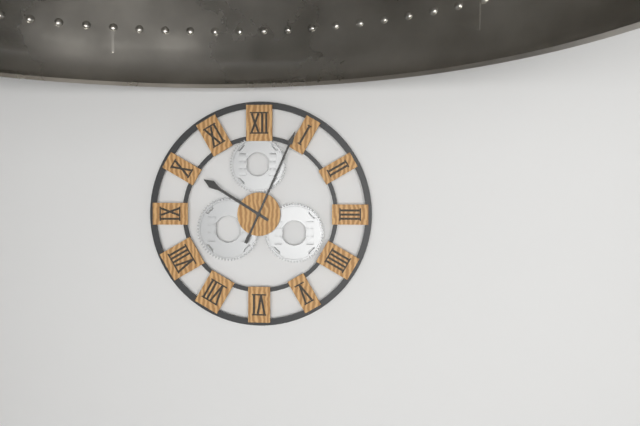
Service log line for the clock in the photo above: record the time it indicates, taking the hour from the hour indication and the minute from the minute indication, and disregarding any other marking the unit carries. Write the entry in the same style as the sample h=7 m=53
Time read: h=10 m=4
